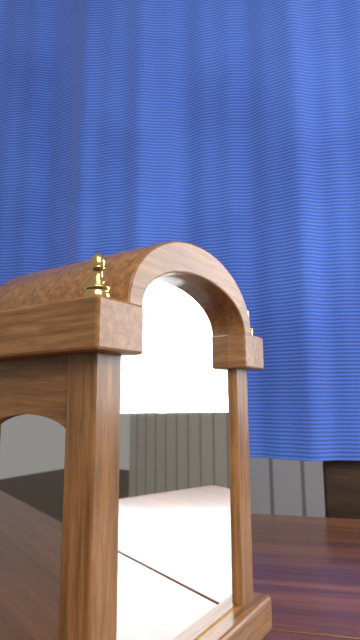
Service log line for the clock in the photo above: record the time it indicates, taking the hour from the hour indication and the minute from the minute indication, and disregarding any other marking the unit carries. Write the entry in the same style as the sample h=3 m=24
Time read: h=9 m=35
